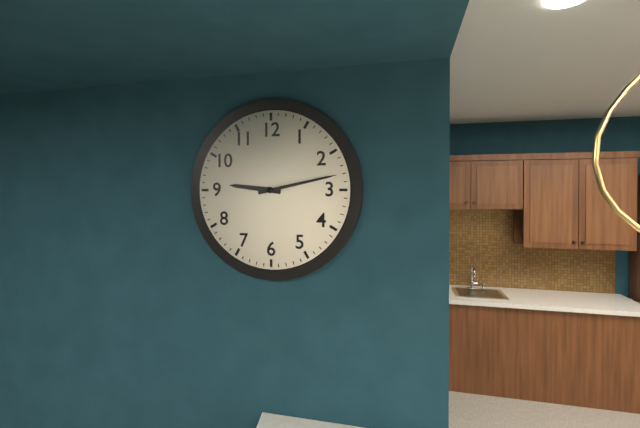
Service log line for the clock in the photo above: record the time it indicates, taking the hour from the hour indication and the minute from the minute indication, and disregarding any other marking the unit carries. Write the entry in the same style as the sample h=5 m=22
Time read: h=9 m=13
